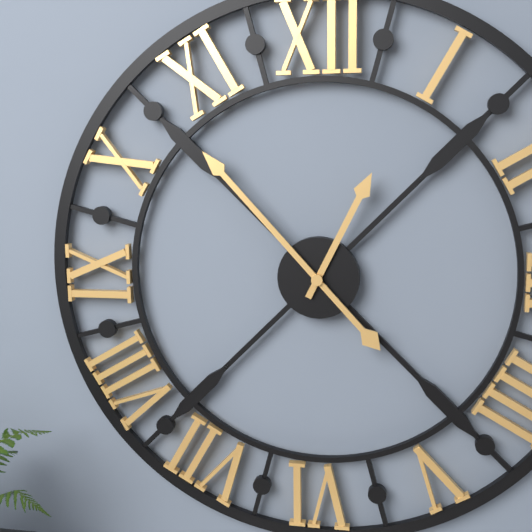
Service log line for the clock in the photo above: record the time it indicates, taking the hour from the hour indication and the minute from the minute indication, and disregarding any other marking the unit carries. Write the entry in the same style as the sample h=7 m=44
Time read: h=12 m=53
